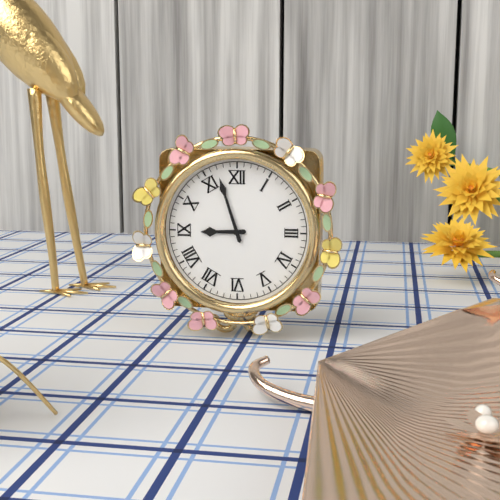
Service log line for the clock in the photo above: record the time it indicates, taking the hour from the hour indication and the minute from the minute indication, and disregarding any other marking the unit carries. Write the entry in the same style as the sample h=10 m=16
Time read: h=8 m=57
